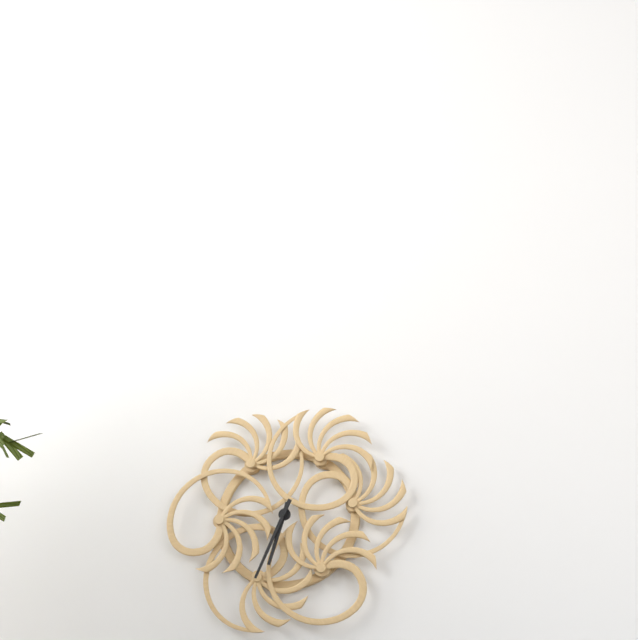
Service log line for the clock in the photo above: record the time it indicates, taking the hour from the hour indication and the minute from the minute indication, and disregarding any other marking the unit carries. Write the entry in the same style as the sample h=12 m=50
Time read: h=6 m=34
